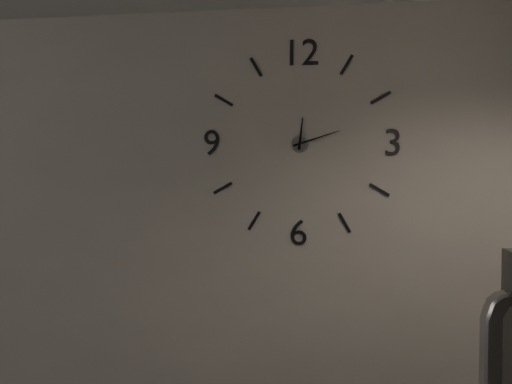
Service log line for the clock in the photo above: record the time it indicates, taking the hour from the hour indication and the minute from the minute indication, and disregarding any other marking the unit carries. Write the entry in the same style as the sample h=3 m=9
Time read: h=12 m=12
